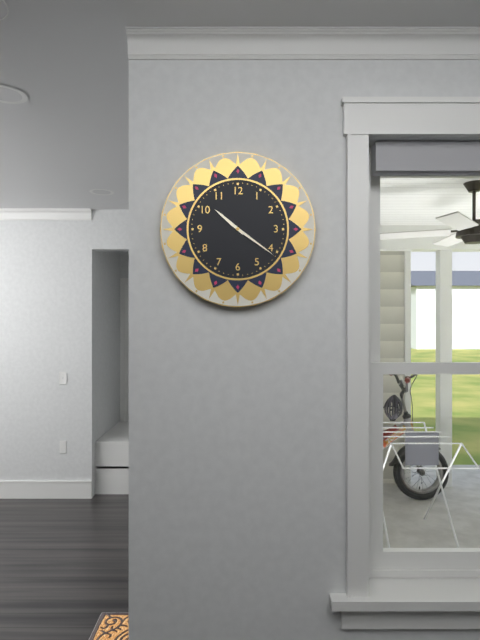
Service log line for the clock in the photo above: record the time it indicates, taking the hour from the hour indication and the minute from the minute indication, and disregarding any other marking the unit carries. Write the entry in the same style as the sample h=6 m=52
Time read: h=10 m=21
